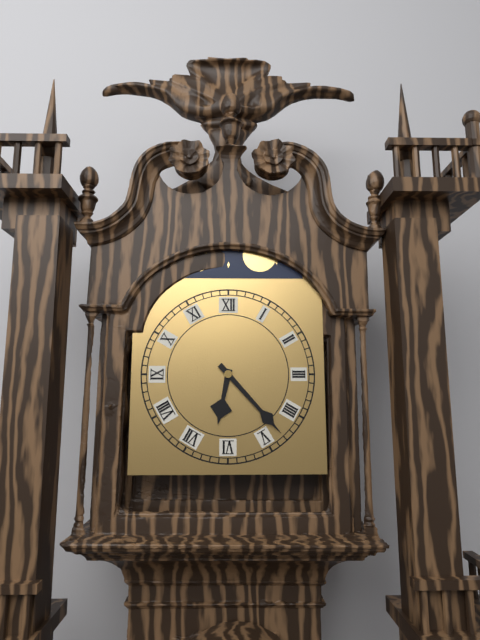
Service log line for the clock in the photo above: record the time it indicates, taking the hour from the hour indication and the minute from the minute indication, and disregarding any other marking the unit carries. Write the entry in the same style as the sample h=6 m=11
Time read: h=6 m=23
